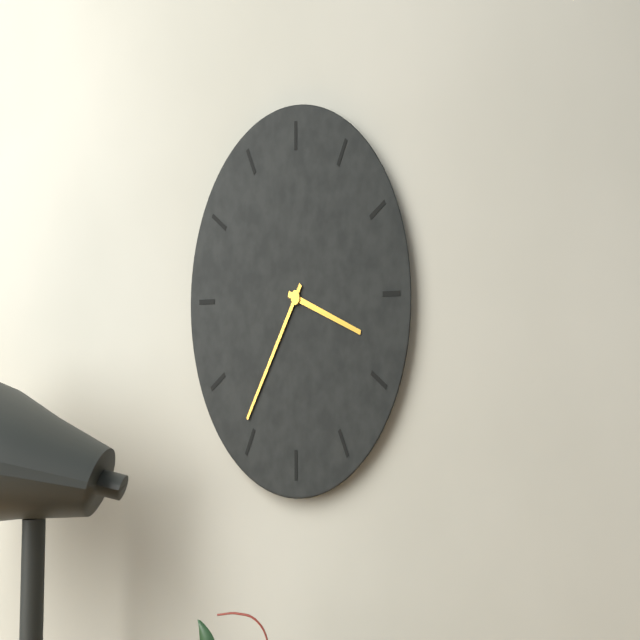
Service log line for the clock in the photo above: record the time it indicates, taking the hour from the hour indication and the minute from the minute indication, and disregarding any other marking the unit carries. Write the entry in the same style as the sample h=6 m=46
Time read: h=3 m=36
